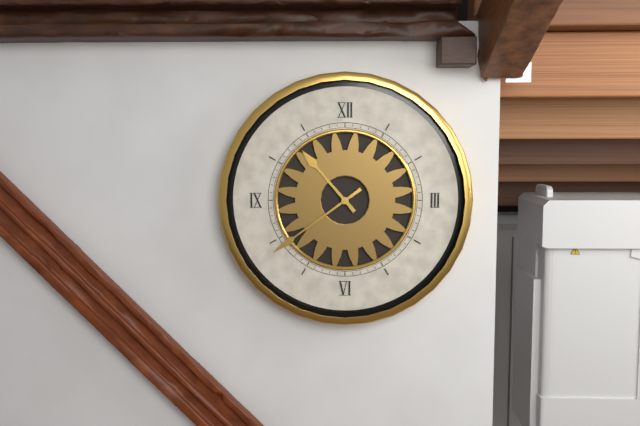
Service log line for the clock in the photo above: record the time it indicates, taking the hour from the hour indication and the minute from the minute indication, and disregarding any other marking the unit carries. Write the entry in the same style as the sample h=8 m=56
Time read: h=10 m=39
